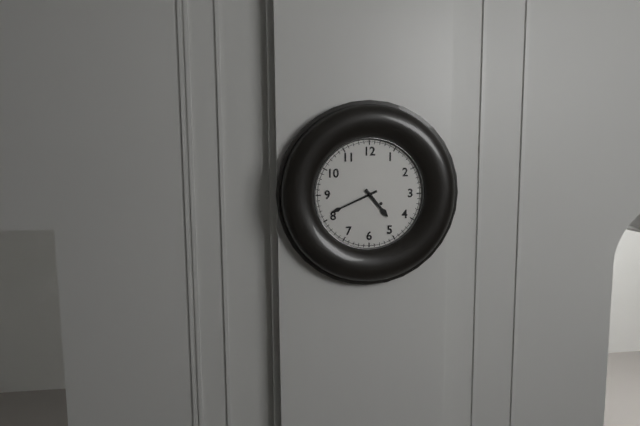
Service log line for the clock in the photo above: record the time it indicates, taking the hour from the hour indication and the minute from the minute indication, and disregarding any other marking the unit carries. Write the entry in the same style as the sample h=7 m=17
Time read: h=4 m=41
